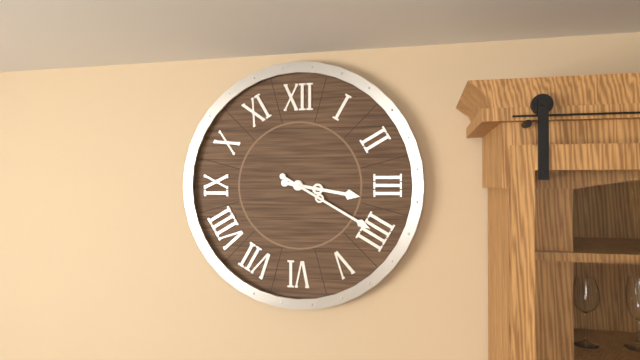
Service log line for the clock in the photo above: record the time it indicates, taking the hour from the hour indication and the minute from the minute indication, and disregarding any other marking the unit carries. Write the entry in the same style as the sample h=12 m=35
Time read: h=3 m=20
